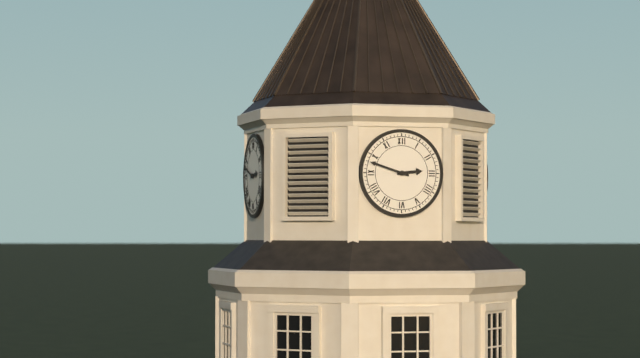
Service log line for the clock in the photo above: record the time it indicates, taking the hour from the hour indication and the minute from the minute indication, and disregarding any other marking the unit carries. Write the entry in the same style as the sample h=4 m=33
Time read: h=2 m=48
